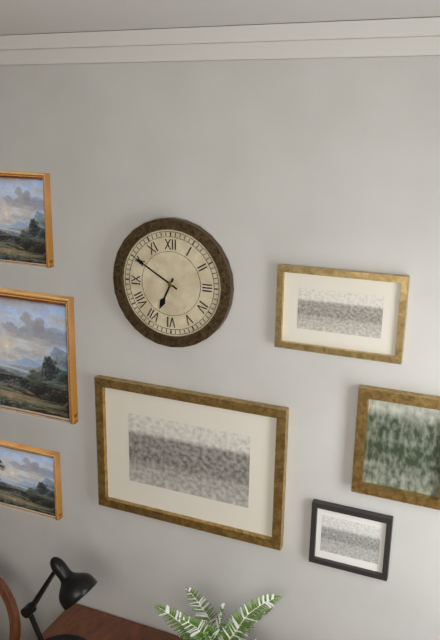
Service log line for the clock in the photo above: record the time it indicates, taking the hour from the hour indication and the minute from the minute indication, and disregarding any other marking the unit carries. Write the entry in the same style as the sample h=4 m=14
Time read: h=6 m=50
